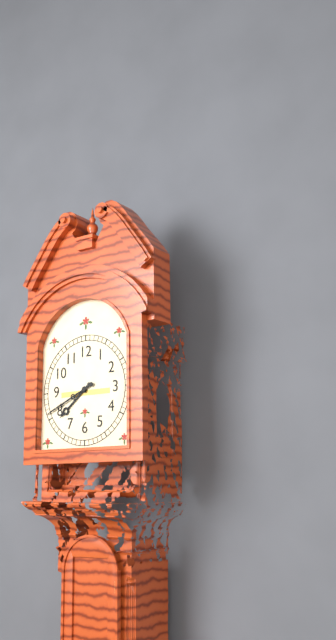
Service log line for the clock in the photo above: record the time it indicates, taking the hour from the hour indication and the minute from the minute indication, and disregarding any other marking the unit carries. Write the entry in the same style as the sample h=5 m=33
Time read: h=7 m=41
